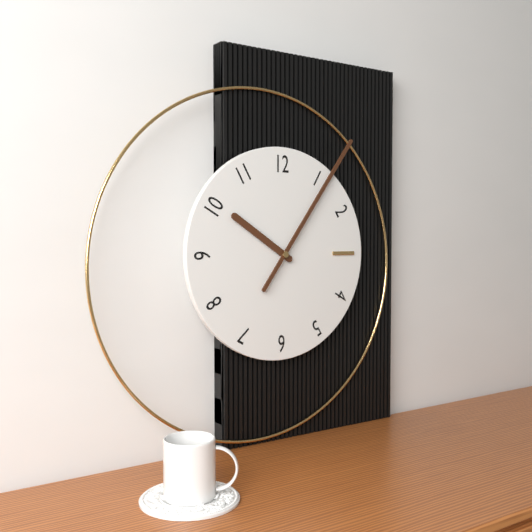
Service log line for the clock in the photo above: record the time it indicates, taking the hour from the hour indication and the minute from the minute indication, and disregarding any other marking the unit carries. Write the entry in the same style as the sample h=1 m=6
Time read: h=10 m=6
